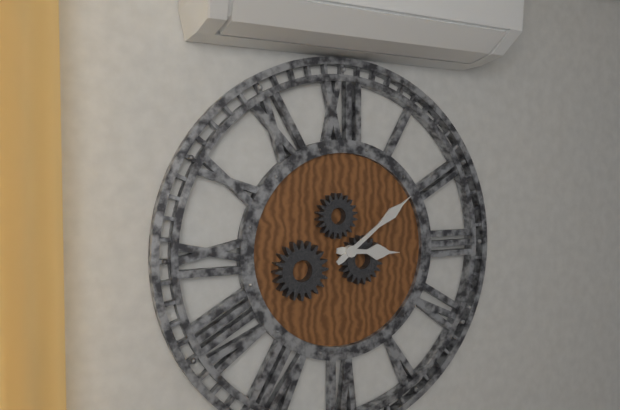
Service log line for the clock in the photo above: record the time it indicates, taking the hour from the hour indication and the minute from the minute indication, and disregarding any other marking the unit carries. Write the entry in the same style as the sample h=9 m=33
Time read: h=3 m=9
